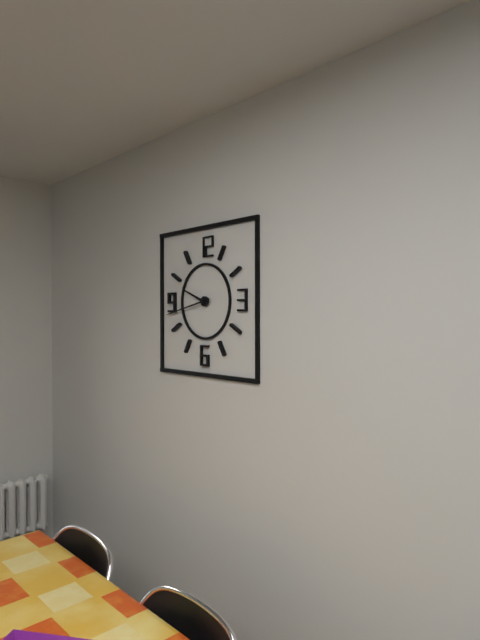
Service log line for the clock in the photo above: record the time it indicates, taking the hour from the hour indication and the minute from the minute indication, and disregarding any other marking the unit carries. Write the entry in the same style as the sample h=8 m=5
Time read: h=9 m=43
